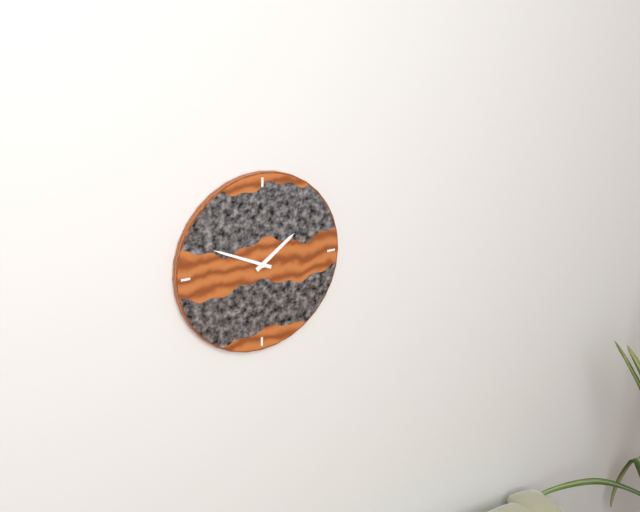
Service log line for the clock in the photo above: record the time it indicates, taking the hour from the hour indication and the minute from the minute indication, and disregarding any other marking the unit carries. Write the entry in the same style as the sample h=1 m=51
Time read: h=1 m=49
